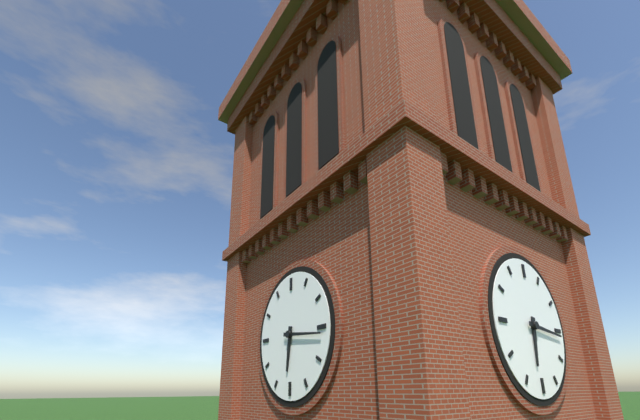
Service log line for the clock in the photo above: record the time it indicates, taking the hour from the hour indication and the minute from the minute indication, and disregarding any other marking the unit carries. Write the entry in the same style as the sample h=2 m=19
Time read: h=6 m=16
